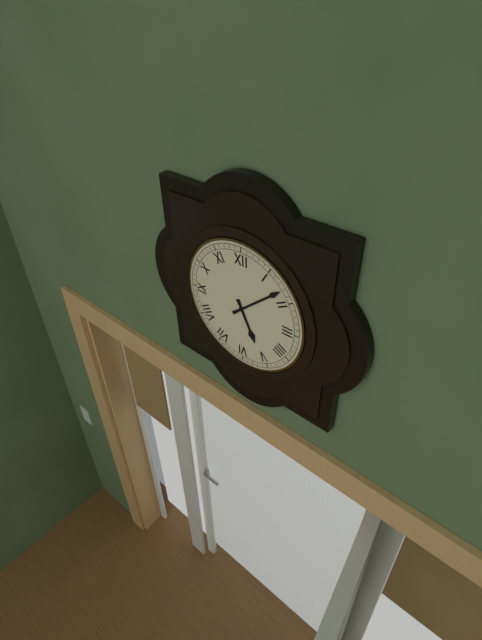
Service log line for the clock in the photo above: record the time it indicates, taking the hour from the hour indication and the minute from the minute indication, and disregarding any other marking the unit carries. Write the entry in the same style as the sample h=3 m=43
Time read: h=5 m=8
